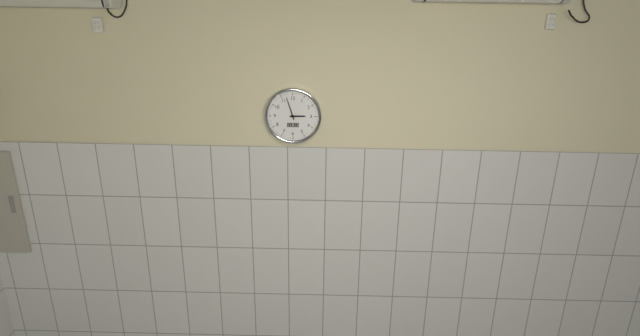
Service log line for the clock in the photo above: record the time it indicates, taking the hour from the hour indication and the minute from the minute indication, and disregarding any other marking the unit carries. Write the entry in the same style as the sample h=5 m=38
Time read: h=2 m=57
